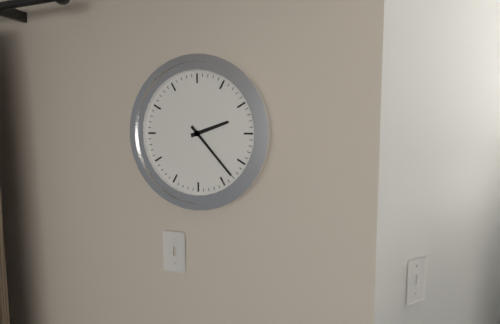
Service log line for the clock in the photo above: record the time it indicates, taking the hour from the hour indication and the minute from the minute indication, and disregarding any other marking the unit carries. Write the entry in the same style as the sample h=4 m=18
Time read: h=2 m=23
